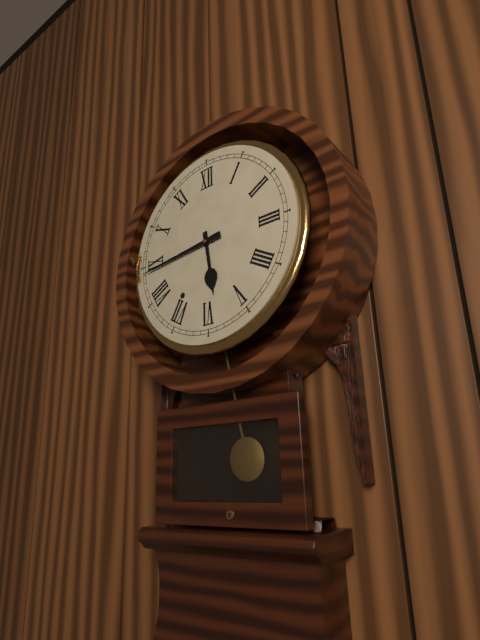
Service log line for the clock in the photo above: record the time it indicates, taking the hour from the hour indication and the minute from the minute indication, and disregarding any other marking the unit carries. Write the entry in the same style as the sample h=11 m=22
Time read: h=5 m=44
